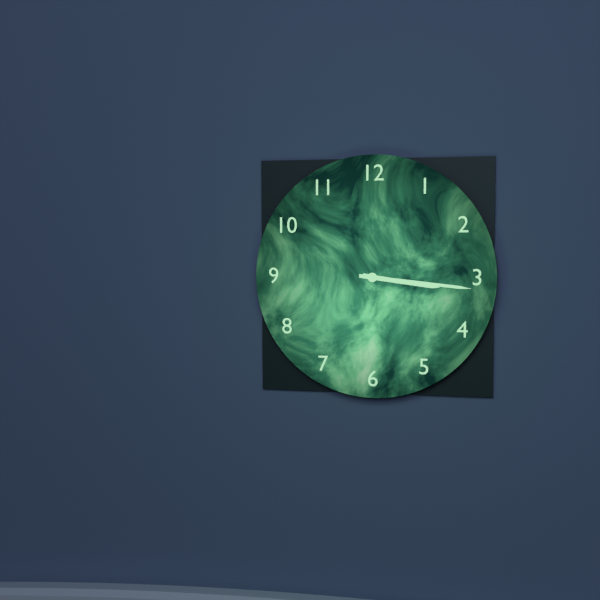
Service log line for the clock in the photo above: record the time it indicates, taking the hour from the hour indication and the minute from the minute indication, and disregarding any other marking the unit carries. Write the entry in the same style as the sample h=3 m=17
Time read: h=3 m=16
